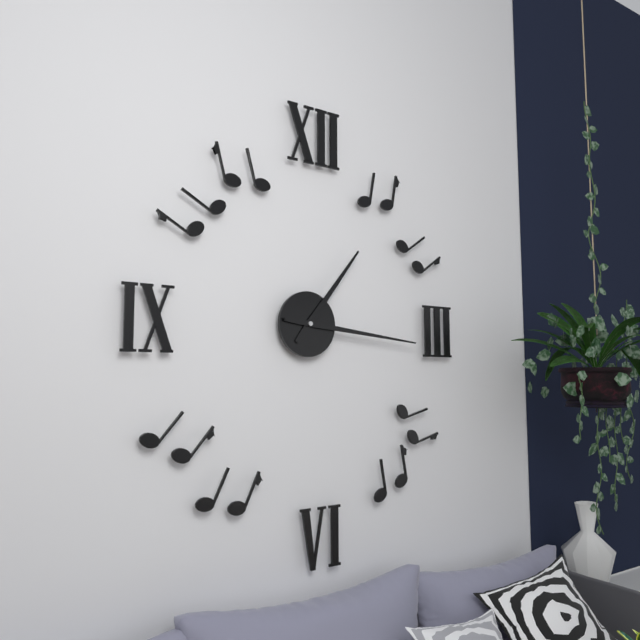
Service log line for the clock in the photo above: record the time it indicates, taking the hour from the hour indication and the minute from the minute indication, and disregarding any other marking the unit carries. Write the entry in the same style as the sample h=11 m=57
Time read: h=1 m=16
